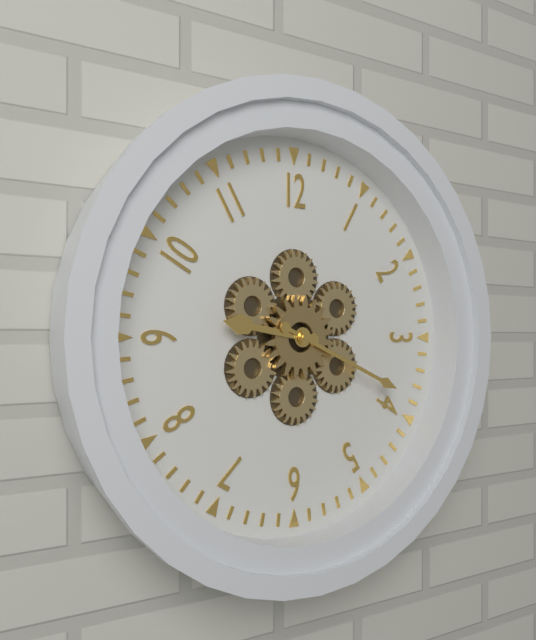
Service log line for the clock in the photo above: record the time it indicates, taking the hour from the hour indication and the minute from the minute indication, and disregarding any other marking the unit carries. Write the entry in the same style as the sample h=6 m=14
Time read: h=9 m=19
